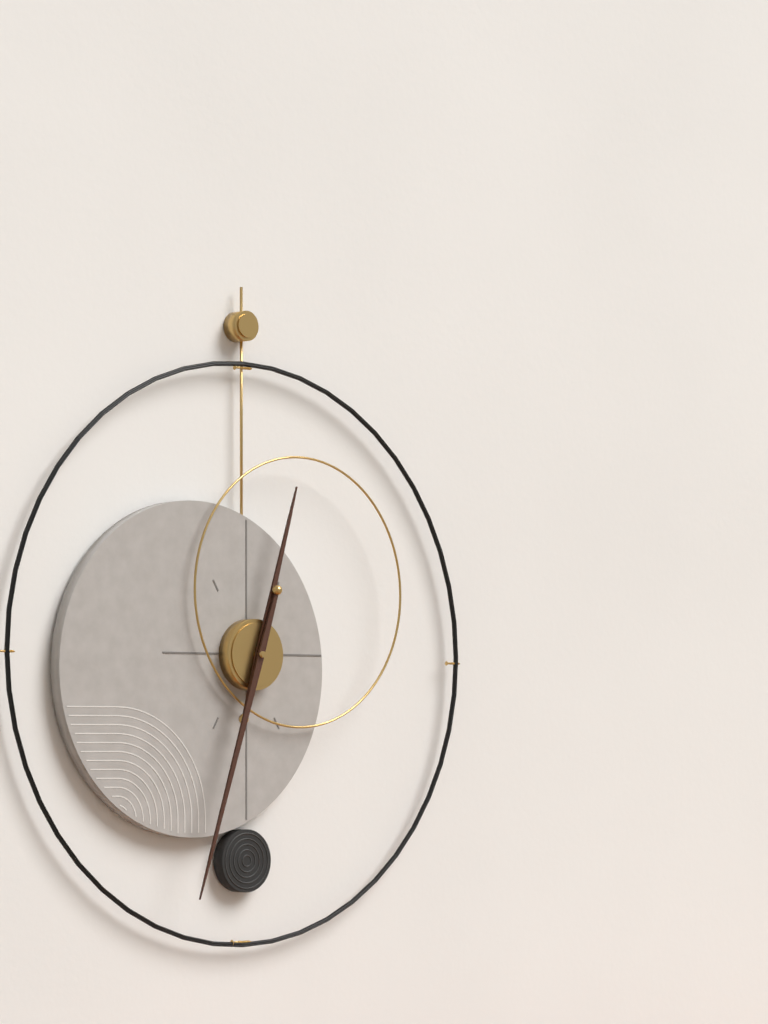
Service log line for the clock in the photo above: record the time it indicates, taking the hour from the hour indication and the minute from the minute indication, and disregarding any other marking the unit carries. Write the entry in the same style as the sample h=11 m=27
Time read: h=12 m=33
